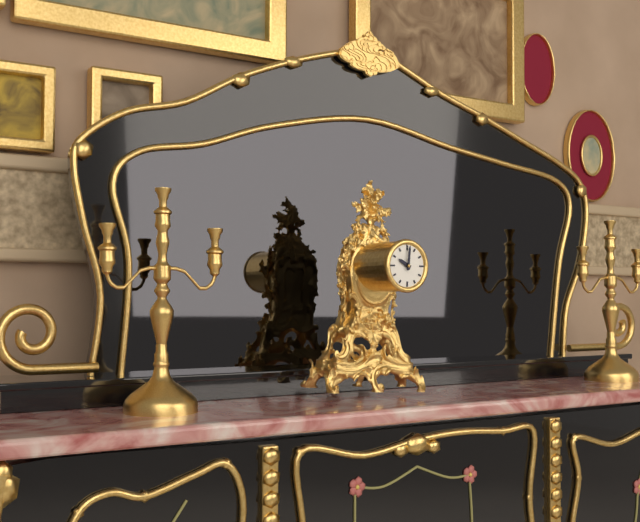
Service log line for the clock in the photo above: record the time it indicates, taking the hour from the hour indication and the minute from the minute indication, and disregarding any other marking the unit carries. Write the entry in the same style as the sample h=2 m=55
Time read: h=10 m=1
